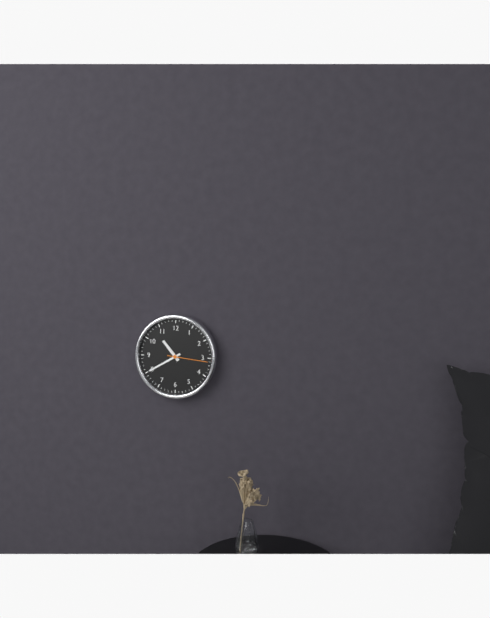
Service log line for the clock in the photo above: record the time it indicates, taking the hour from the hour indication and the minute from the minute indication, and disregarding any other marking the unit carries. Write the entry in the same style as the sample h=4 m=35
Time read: h=10 m=40
